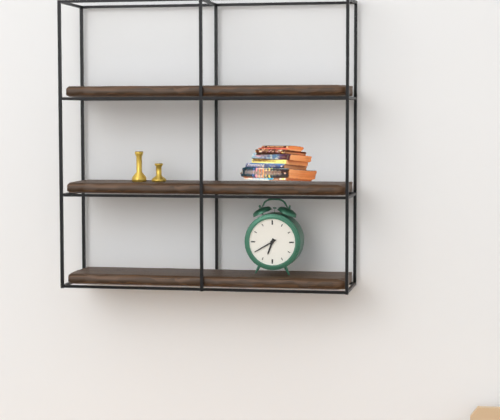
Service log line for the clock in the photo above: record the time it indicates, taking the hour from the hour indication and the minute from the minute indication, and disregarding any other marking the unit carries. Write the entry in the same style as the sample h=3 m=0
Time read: h=6 m=40
